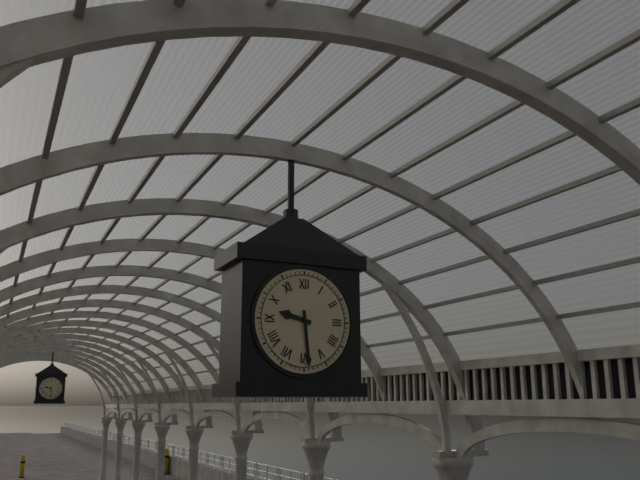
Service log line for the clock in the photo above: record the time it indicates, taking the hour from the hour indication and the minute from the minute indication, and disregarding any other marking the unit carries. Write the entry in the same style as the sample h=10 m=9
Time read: h=9 m=29
